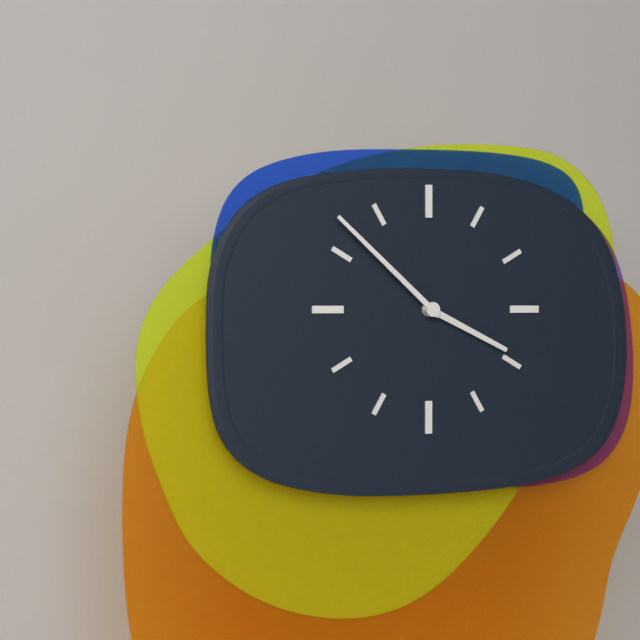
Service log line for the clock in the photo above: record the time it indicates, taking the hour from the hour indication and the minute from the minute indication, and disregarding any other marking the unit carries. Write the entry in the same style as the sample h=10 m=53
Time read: h=3 m=52
